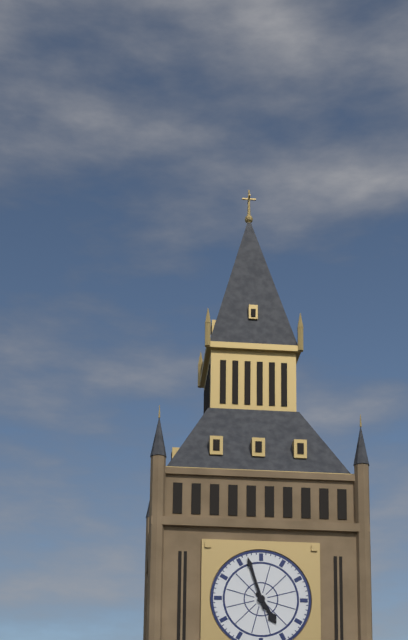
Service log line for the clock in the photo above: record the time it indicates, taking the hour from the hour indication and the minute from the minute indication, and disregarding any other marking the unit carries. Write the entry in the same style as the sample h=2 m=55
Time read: h=4 m=57
